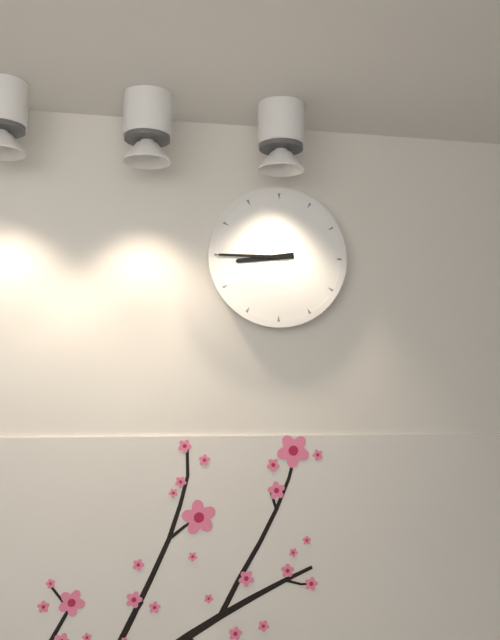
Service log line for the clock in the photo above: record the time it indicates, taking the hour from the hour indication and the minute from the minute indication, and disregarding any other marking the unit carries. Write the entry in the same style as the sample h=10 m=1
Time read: h=8 m=45
